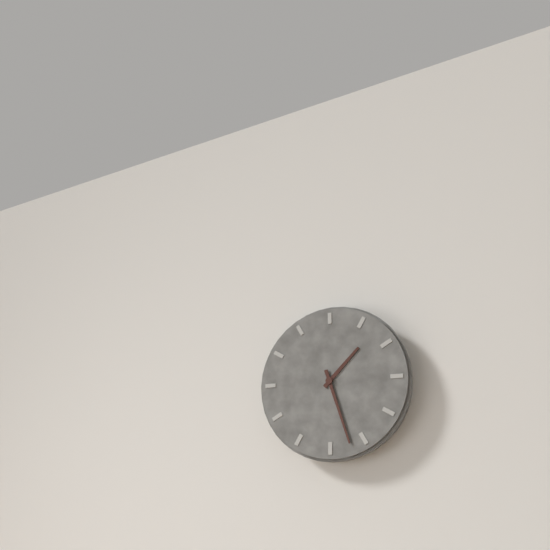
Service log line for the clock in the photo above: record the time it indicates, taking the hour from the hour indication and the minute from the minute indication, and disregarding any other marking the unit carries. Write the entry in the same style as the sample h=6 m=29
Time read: h=1 m=27
